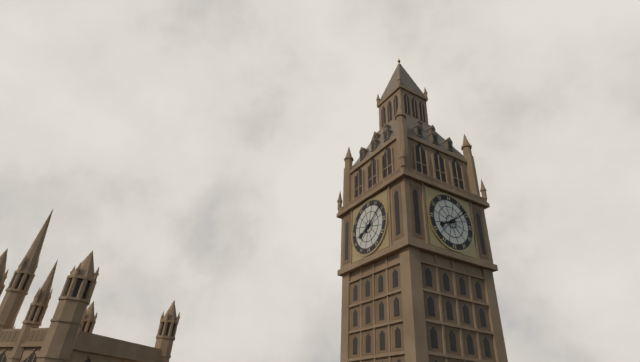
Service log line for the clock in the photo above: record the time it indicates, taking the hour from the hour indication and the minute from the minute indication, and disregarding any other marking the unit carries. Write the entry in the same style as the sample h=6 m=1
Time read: h=8 m=9
